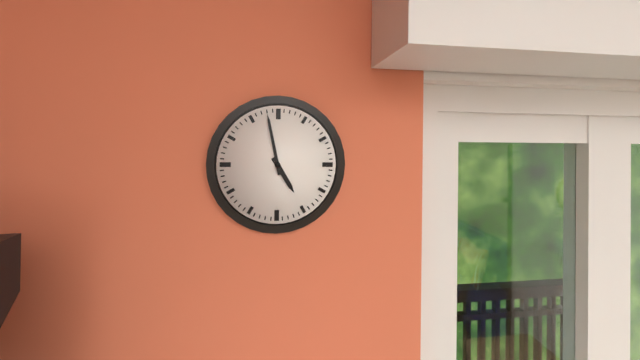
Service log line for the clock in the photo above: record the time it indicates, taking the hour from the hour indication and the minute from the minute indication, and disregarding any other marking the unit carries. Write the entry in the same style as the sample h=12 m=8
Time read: h=4 m=58
